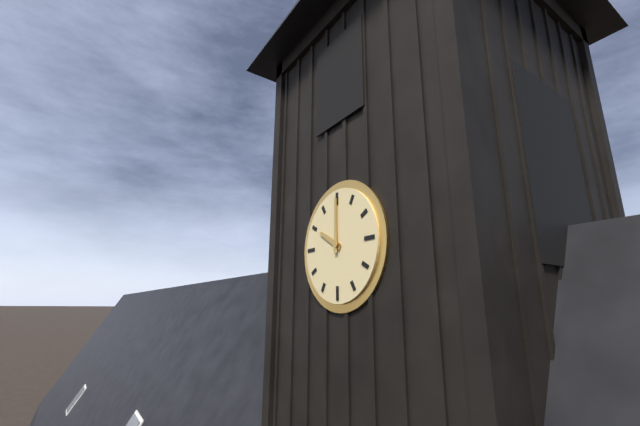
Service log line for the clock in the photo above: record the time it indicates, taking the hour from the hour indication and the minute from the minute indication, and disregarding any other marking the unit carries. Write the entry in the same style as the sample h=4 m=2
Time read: h=10 m=0
